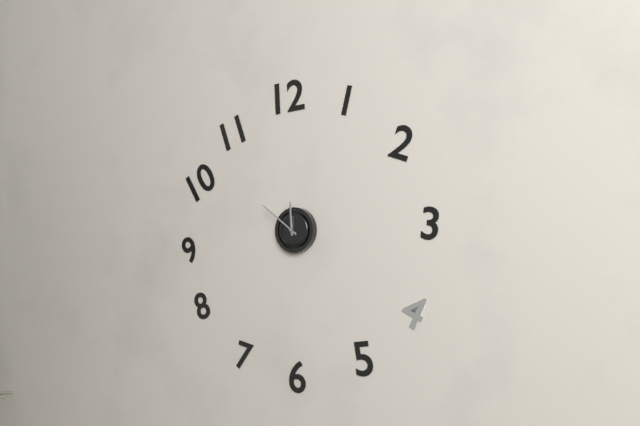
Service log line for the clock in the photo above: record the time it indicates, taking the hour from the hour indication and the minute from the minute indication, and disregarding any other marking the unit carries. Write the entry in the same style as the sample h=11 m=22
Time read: h=11 m=51
